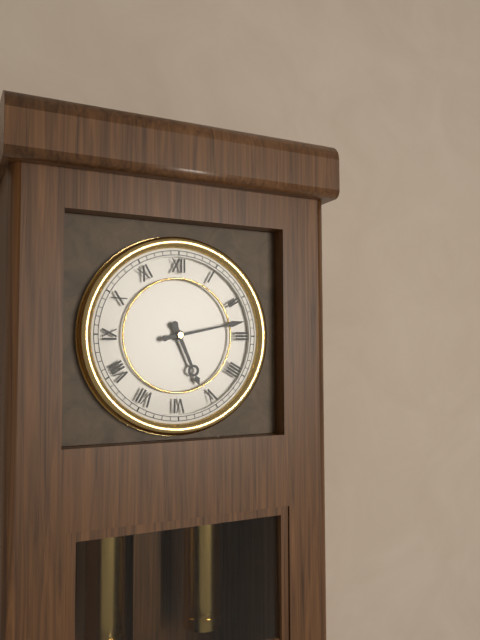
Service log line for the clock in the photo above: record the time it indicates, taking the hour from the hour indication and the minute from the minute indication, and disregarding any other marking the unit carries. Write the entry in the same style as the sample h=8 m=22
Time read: h=5 m=13
